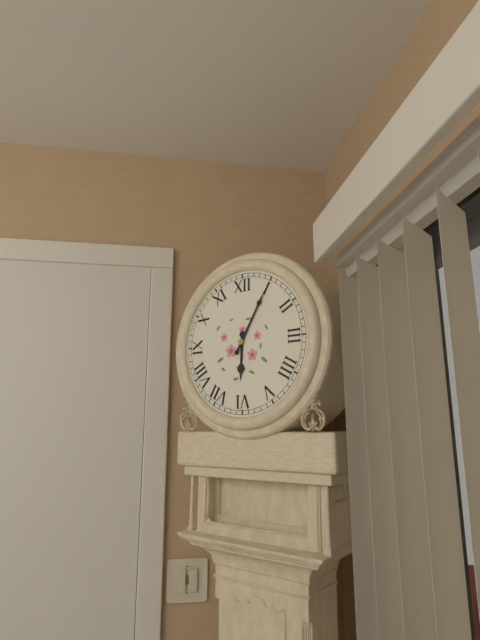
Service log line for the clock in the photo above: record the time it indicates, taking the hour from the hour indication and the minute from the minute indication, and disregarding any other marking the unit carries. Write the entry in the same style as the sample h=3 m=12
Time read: h=6 m=5
